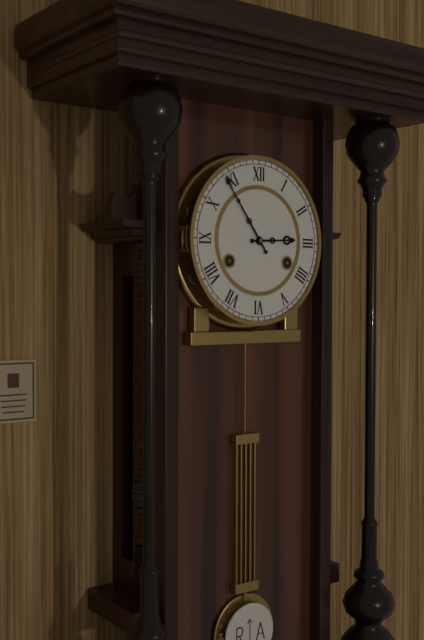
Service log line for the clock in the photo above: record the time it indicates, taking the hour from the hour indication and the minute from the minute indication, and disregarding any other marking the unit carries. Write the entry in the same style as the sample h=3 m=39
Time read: h=2 m=54
